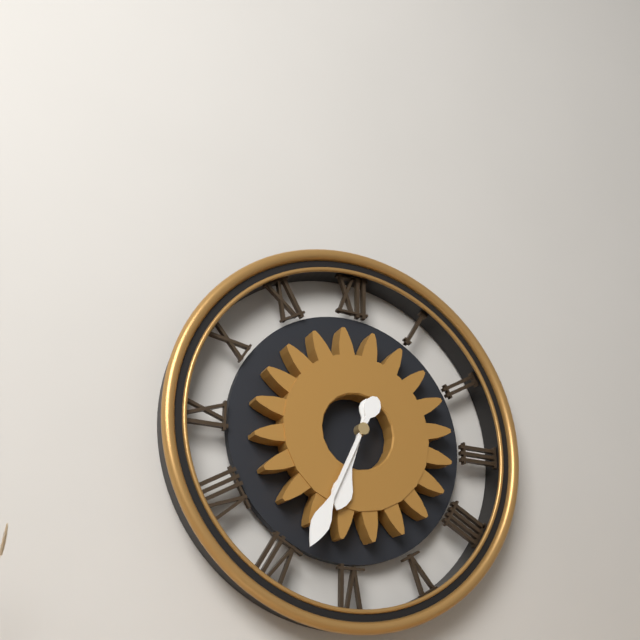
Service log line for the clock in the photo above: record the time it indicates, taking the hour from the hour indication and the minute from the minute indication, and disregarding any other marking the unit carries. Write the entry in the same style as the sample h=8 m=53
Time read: h=6 m=34
